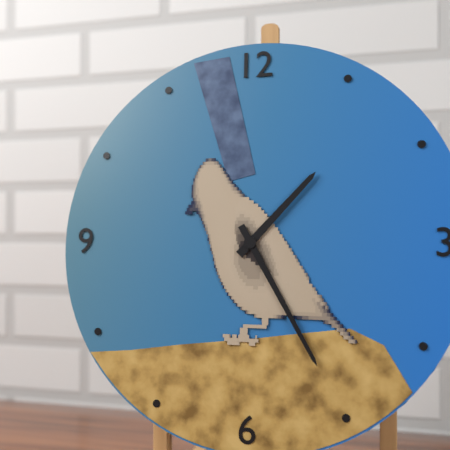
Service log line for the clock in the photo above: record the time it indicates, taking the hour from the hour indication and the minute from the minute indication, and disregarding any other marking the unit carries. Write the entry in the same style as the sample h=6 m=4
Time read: h=1 m=25
